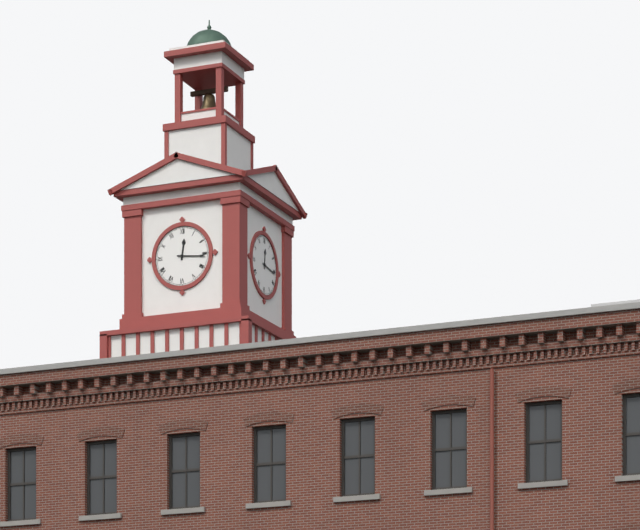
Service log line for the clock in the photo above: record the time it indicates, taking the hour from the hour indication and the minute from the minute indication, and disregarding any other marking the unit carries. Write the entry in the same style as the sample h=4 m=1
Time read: h=12 m=16
